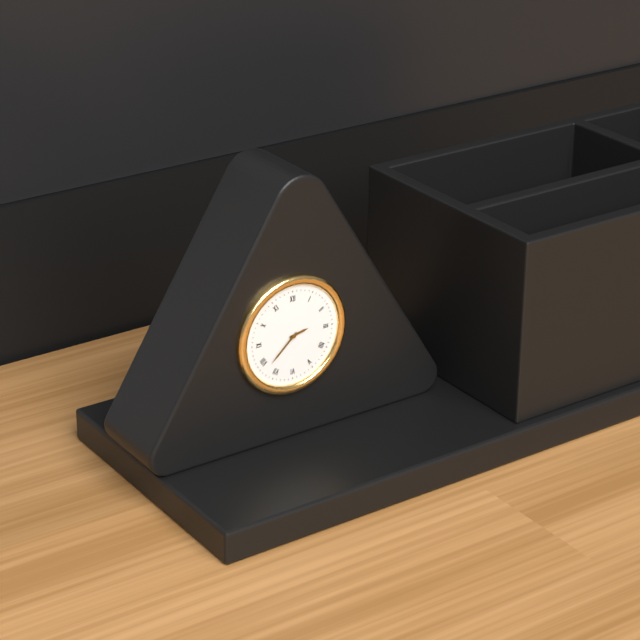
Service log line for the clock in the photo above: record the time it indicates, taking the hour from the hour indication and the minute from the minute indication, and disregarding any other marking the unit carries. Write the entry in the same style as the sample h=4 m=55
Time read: h=2 m=38
